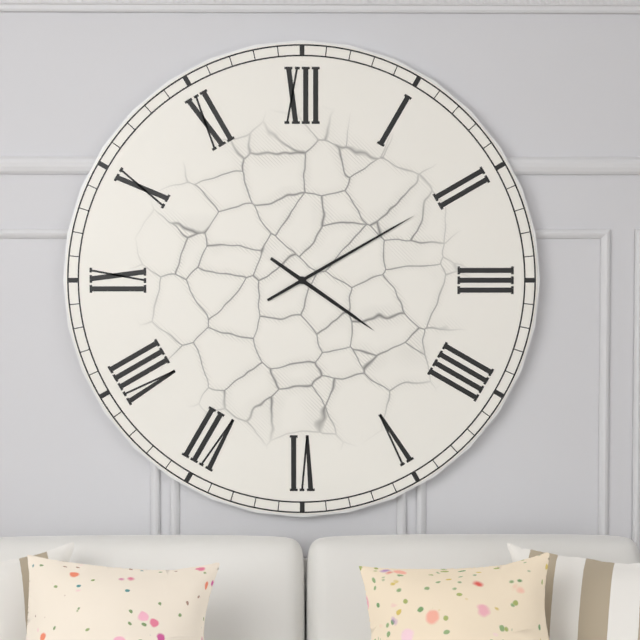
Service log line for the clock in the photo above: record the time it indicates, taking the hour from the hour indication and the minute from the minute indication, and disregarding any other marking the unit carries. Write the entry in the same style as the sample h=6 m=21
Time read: h=4 m=10
